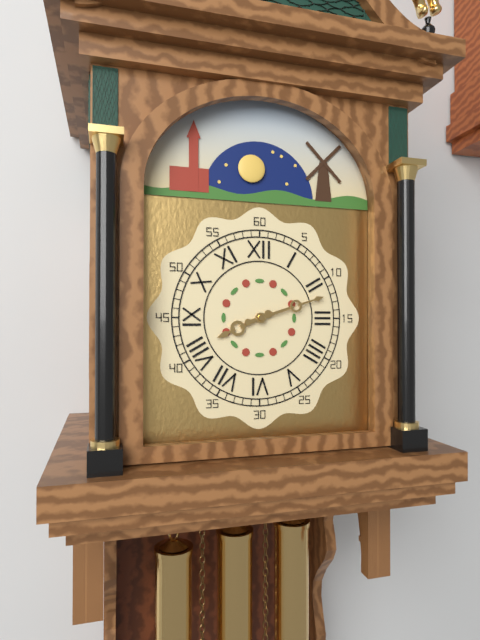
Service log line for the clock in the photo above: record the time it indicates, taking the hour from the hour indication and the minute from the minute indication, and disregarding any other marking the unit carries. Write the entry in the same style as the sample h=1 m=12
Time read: h=8 m=12
